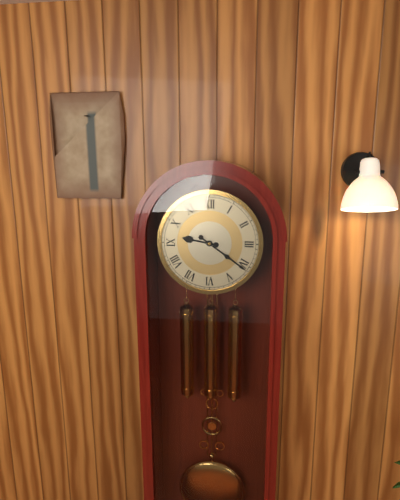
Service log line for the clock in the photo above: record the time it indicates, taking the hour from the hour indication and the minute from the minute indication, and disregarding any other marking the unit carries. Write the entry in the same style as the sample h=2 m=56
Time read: h=9 m=21
